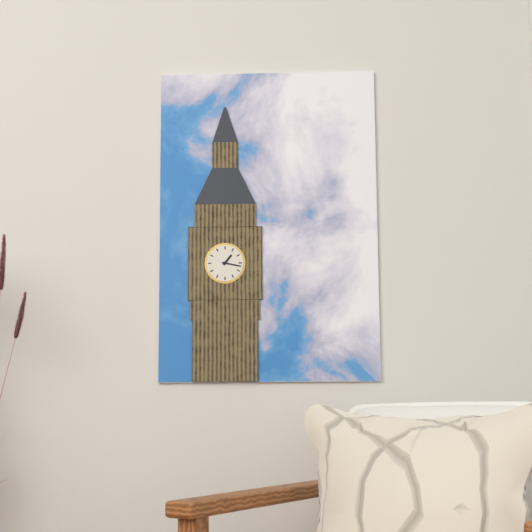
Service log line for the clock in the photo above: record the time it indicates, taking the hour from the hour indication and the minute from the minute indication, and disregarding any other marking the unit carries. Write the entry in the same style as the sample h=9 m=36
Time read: h=1 m=17
